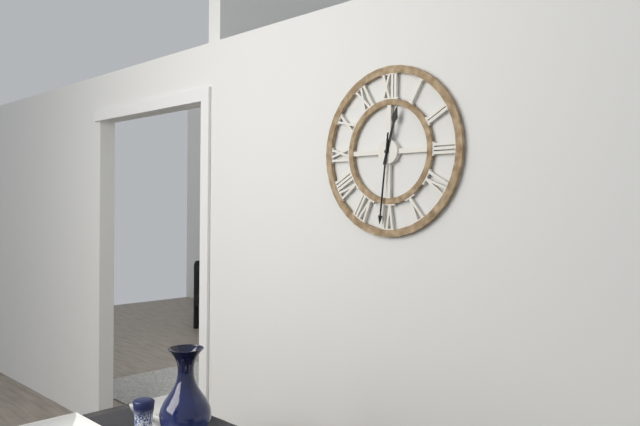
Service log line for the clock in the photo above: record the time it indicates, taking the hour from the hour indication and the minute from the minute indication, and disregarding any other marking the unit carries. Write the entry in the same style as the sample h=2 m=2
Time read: h=12 m=31
